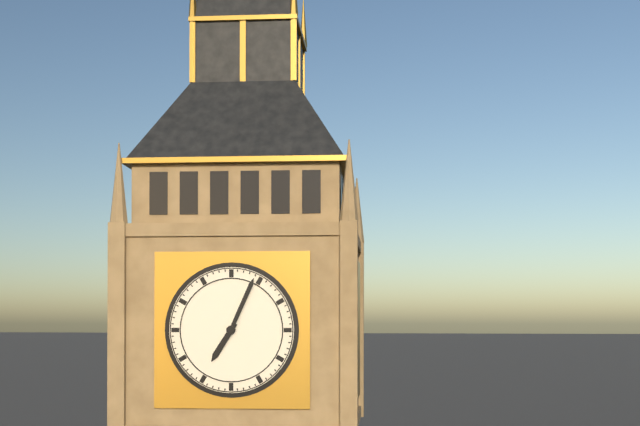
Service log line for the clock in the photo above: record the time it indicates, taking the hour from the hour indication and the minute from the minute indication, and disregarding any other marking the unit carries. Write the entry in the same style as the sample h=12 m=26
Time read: h=7 m=4
